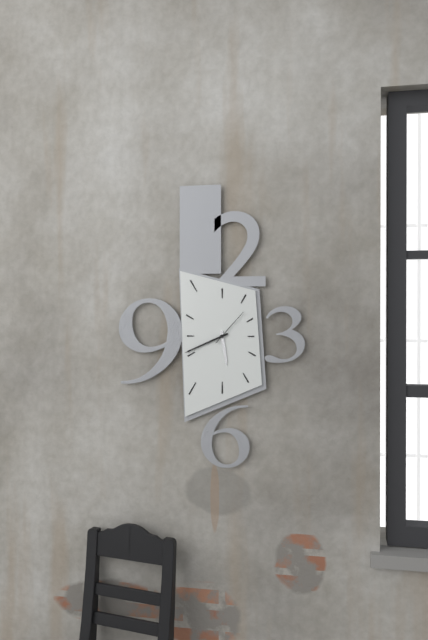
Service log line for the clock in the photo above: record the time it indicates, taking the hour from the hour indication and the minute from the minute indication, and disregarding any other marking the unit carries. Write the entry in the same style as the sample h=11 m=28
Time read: h=5 m=41
